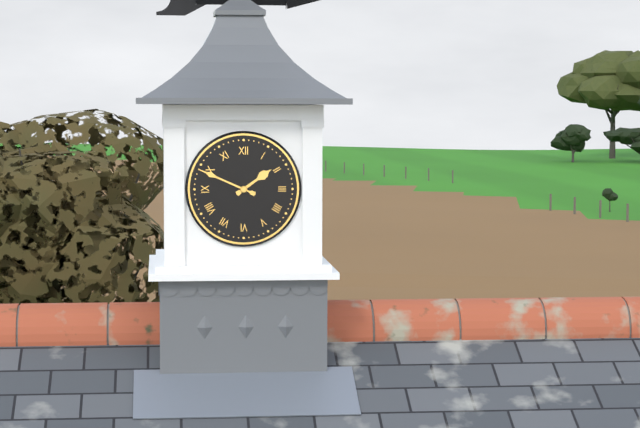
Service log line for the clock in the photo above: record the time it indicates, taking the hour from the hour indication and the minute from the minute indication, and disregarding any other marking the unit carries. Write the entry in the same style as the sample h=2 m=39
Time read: h=1 m=49
